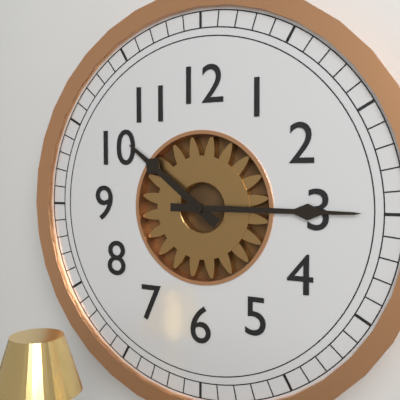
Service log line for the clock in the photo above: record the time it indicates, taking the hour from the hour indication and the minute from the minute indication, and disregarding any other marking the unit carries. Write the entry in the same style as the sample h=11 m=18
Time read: h=10 m=15
